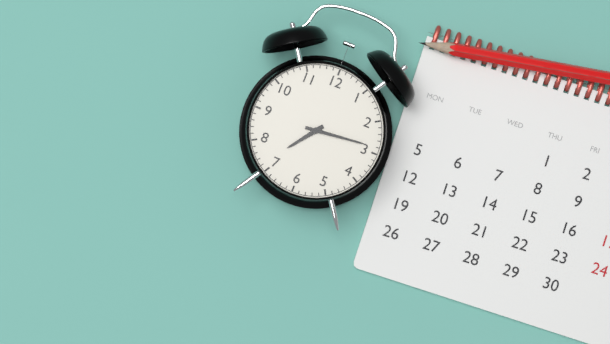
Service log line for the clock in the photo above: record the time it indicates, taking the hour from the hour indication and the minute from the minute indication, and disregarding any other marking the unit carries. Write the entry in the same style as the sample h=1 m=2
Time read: h=7 m=14
